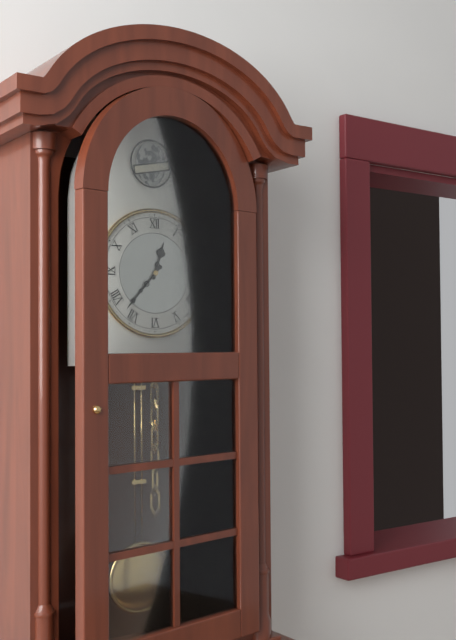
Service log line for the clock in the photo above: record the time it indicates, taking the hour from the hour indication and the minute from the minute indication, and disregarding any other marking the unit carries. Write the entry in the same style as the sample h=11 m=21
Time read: h=12 m=37
